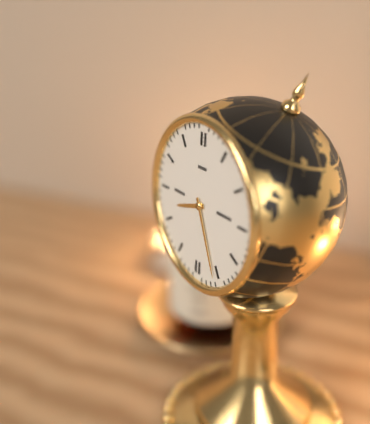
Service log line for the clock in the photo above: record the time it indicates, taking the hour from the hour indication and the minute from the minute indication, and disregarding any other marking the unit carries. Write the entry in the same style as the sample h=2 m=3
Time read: h=8 m=26
